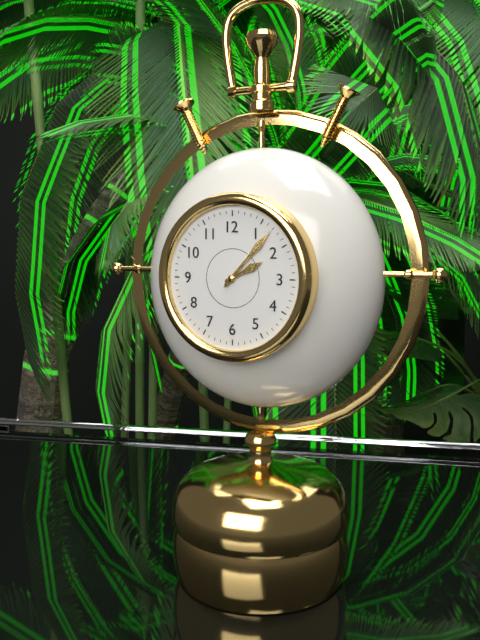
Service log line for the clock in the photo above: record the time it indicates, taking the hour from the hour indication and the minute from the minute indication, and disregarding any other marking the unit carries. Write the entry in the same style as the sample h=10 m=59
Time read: h=2 m=7
